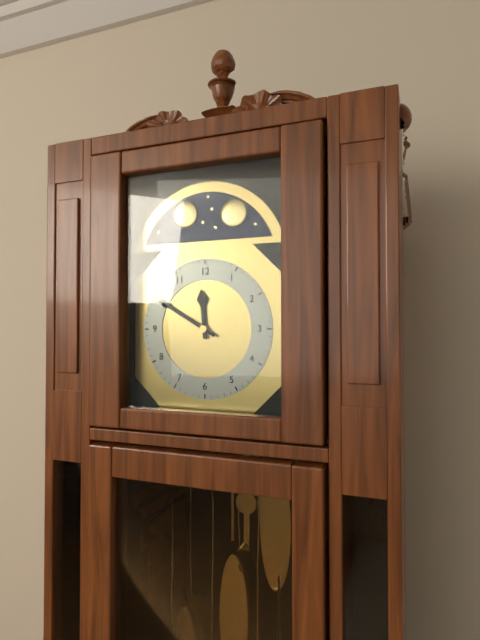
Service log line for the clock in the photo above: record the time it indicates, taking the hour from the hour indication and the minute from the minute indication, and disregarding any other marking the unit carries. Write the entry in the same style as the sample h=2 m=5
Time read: h=11 m=50
